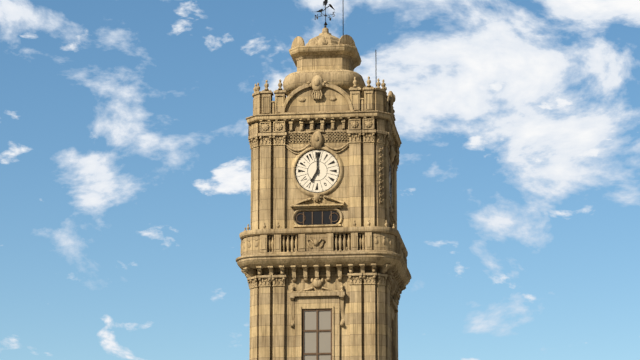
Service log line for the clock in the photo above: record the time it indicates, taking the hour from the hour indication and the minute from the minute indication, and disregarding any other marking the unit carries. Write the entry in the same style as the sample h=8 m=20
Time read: h=7 m=0
